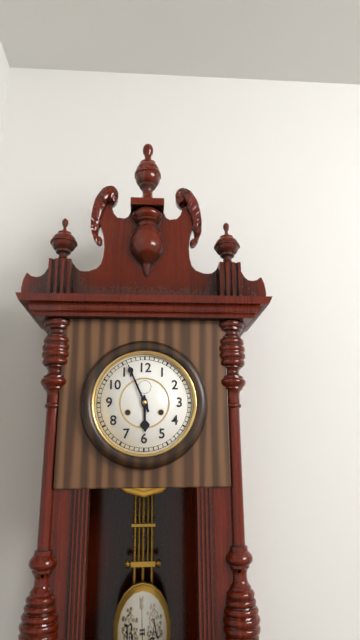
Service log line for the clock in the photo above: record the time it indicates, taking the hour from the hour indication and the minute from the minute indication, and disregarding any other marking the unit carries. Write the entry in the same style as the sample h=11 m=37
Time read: h=5 m=56
